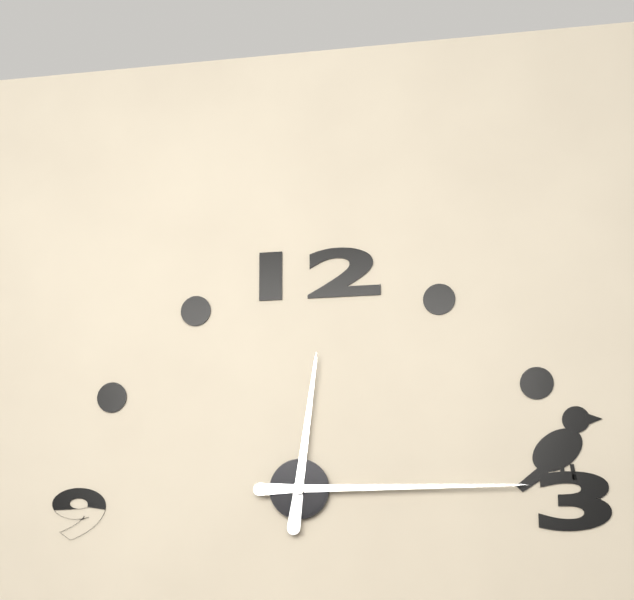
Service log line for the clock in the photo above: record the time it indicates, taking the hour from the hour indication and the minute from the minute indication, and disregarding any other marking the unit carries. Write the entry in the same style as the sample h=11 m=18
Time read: h=12 m=15
